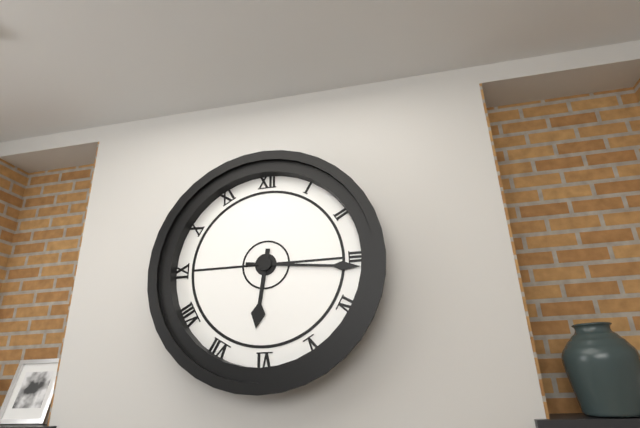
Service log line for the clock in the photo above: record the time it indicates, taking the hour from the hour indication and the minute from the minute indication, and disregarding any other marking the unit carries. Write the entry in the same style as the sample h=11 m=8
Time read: h=6 m=16
